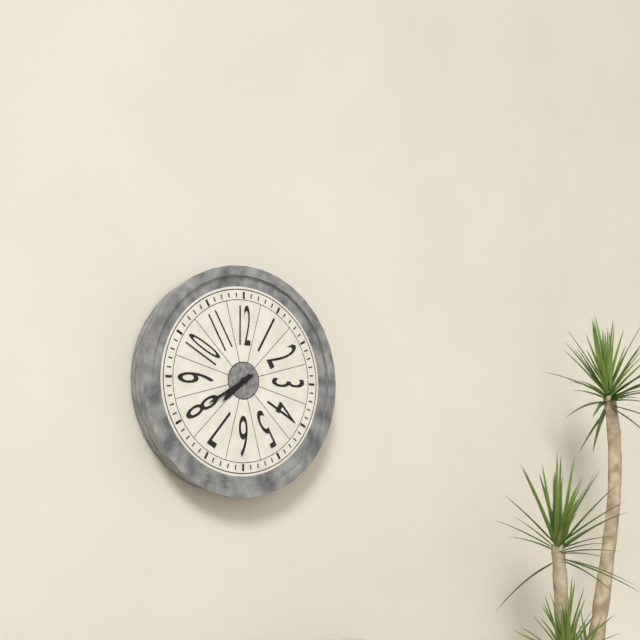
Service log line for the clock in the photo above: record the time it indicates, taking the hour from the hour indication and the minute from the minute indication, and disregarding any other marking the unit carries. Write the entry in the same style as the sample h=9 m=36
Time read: h=7 m=40
